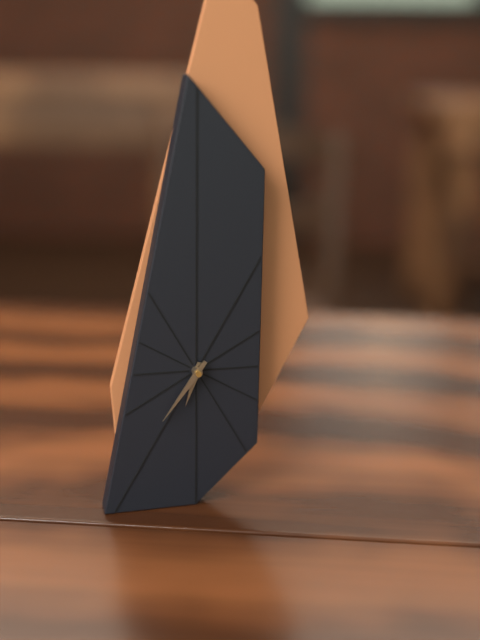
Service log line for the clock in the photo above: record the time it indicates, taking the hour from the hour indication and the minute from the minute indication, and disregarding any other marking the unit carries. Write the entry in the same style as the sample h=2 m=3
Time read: h=6 m=36
